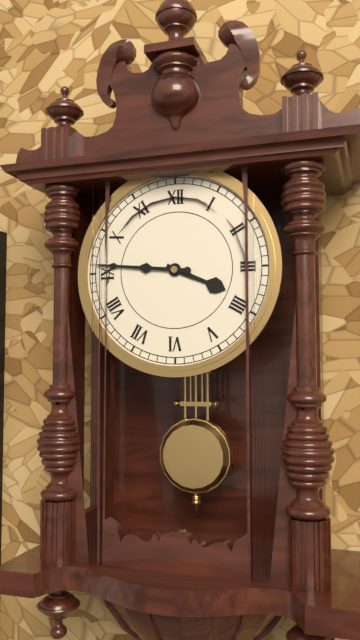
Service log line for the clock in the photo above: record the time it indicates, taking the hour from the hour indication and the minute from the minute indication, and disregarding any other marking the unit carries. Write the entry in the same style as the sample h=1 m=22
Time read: h=3 m=46
